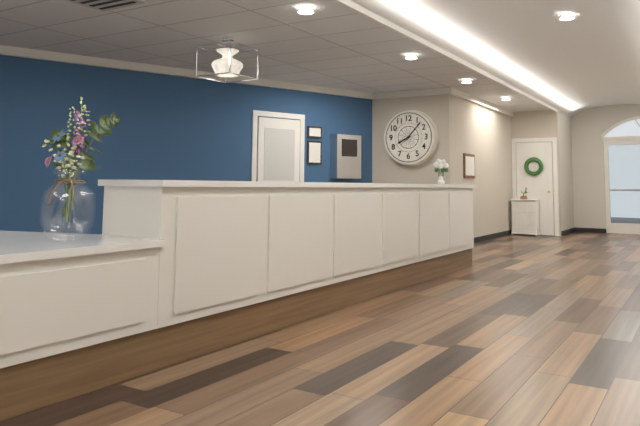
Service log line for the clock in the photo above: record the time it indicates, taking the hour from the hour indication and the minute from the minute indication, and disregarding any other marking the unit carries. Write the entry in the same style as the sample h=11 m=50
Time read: h=8 m=7
